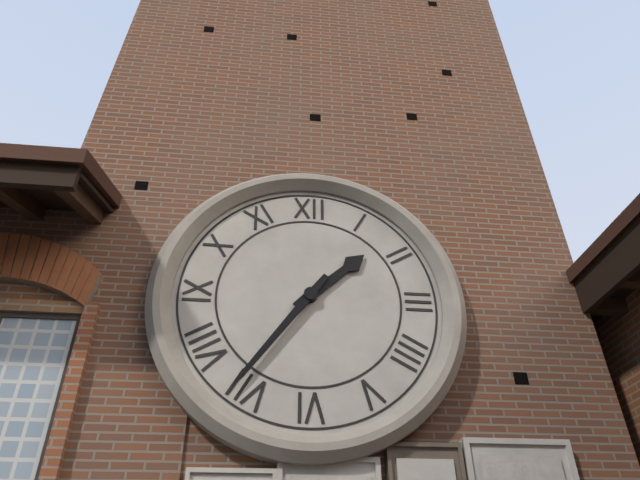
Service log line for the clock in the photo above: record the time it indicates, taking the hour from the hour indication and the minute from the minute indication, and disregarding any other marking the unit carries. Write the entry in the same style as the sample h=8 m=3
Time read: h=1 m=36
